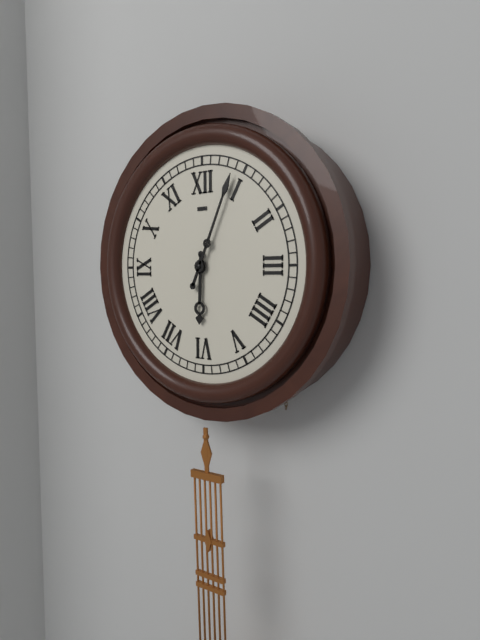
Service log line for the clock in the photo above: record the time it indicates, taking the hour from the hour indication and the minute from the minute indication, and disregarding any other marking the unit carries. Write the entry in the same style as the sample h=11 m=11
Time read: h=6 m=4
